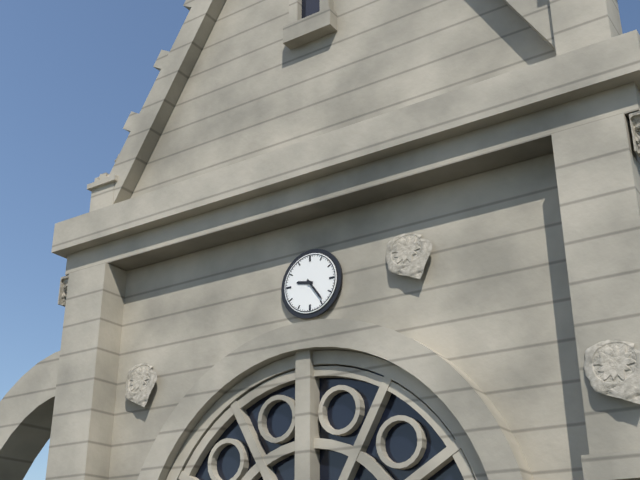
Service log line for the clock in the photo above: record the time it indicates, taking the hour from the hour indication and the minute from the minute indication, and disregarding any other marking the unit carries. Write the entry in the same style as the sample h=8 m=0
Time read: h=9 m=24
